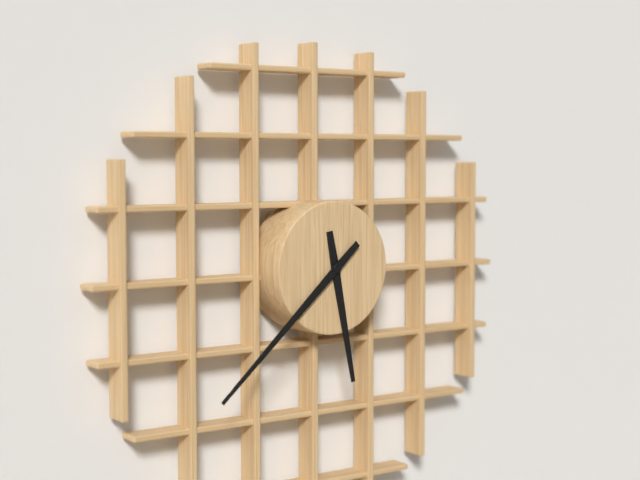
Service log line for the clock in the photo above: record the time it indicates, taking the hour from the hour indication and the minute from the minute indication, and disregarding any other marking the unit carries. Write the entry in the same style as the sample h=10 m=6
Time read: h=5 m=38
